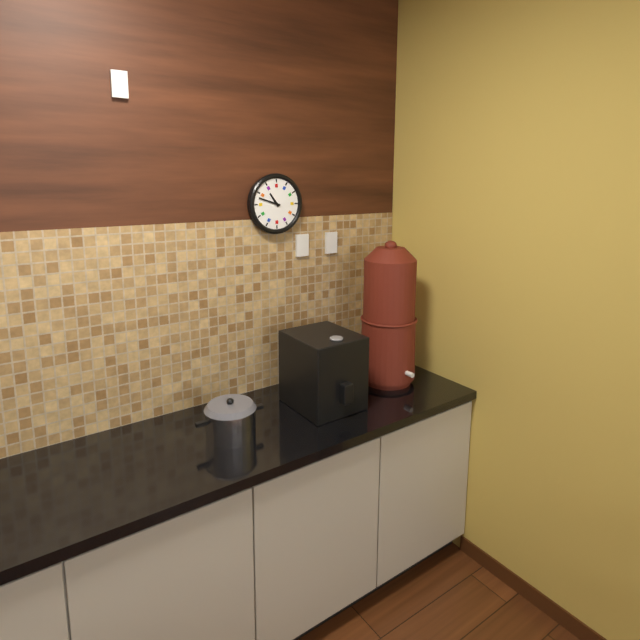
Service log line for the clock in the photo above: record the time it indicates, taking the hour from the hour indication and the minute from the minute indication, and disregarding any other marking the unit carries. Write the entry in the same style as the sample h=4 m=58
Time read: h=10 m=48
